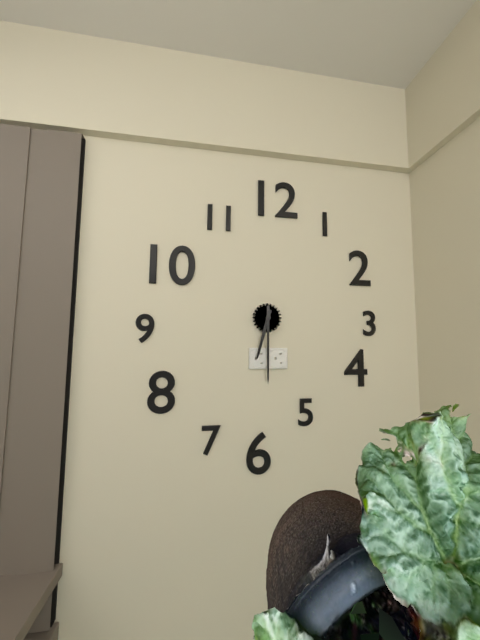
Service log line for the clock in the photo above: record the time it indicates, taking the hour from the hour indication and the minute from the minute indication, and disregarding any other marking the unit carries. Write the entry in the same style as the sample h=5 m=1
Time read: h=6 m=30
